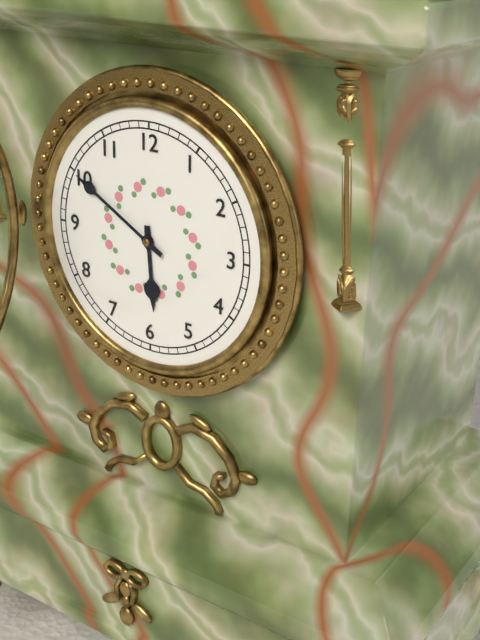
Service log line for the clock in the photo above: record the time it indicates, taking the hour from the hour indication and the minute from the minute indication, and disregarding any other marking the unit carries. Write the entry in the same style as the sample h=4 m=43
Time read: h=5 m=50
